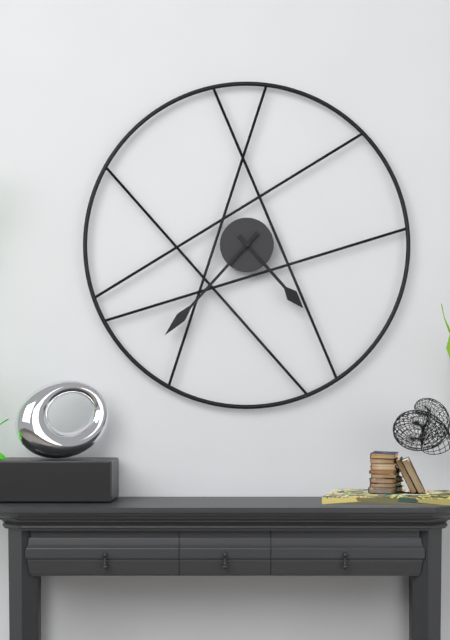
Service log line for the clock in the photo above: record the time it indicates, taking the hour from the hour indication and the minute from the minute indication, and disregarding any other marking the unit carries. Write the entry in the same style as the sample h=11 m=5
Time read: h=4 m=37
